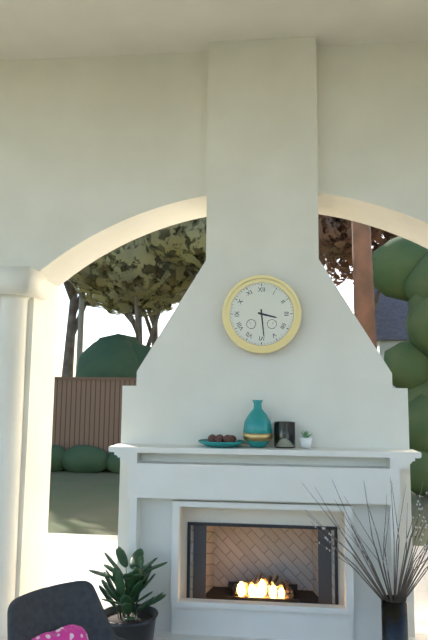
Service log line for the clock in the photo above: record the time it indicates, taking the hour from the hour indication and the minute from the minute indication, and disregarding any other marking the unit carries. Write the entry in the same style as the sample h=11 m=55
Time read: h=3 m=29
